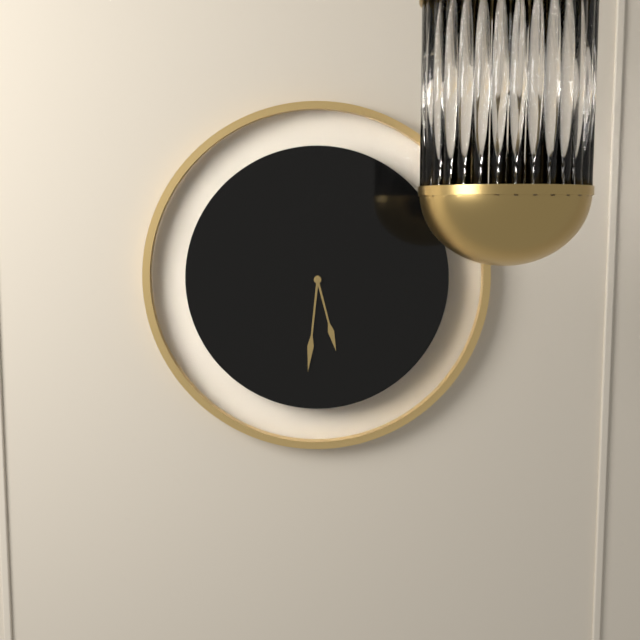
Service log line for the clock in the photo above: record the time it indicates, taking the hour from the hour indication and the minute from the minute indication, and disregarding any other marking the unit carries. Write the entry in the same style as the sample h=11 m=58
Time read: h=5 m=31
